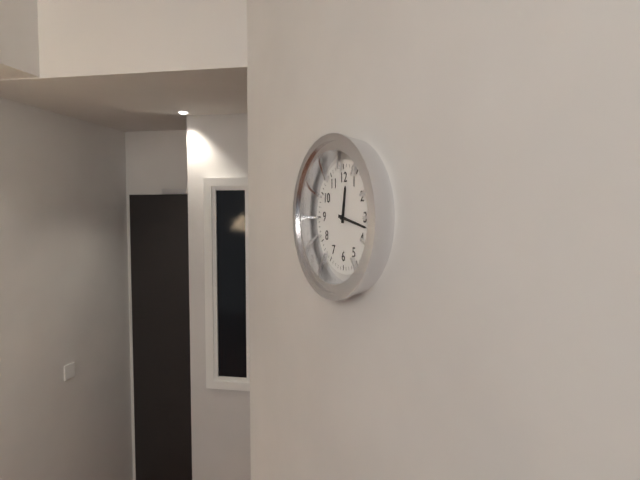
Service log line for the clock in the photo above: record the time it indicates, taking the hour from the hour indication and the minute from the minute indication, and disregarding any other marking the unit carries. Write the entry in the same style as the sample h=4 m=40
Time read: h=12 m=17
